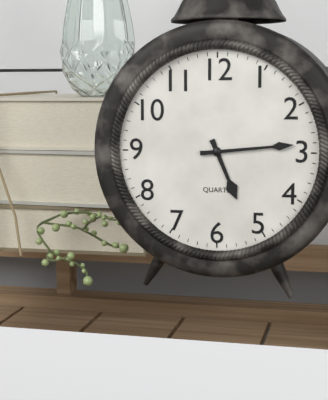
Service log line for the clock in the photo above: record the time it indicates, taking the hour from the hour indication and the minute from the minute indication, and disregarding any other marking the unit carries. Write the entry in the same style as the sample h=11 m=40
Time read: h=5 m=14
